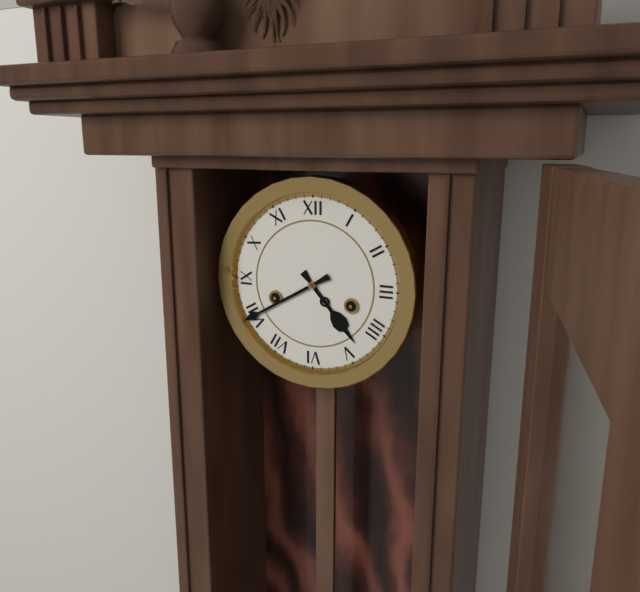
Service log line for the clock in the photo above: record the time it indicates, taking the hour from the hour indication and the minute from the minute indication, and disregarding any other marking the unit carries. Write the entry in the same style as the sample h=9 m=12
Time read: h=4 m=40
